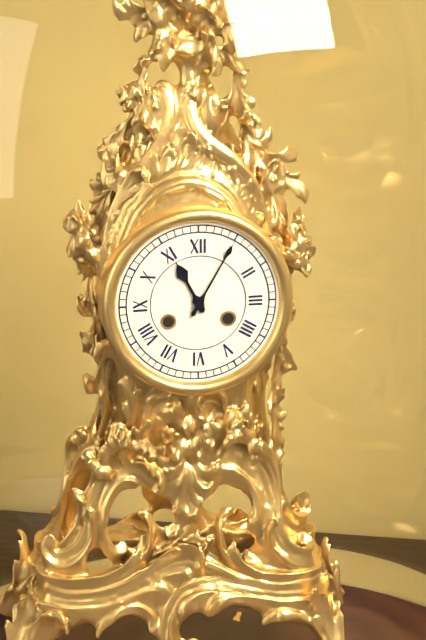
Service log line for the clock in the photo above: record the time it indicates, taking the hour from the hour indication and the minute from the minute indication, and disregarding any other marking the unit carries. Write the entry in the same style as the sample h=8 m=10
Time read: h=11 m=5
